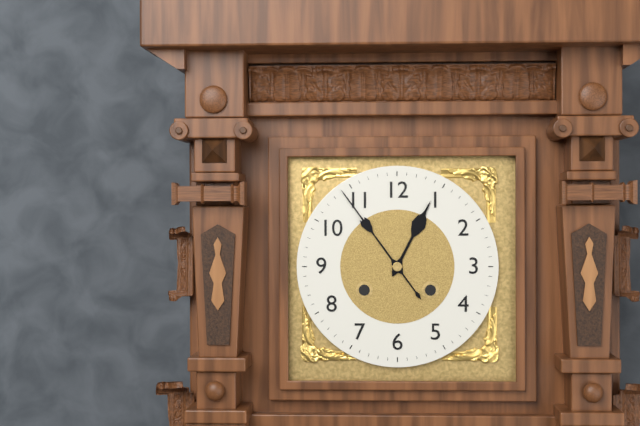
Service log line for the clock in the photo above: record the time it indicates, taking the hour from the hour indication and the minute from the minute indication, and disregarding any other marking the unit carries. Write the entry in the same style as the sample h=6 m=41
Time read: h=12 m=54
